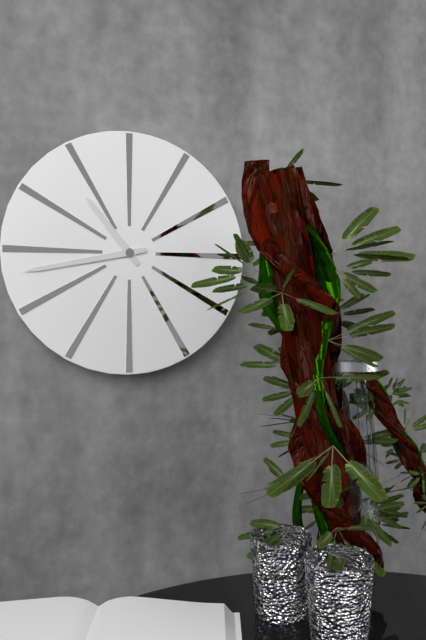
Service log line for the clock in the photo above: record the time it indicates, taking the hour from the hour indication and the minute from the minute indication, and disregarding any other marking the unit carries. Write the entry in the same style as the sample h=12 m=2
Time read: h=10 m=43
